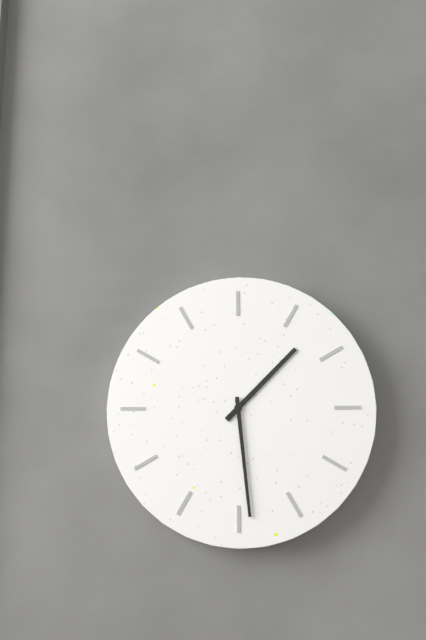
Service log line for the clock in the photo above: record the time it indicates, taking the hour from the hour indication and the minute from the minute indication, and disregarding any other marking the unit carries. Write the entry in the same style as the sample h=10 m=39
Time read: h=1 m=29
